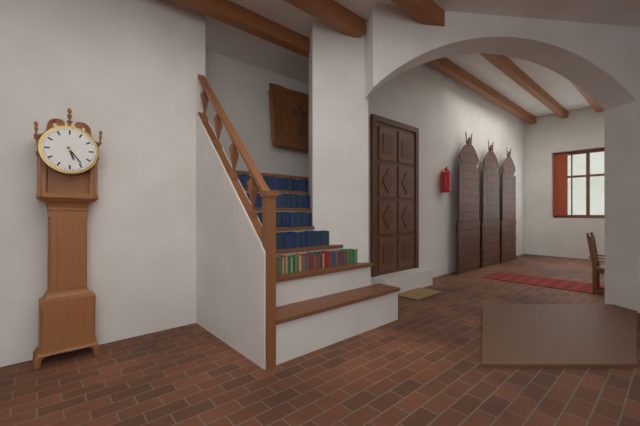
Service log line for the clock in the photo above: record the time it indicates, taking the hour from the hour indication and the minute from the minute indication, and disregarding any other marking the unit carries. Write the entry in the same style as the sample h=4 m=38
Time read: h=5 m=24
